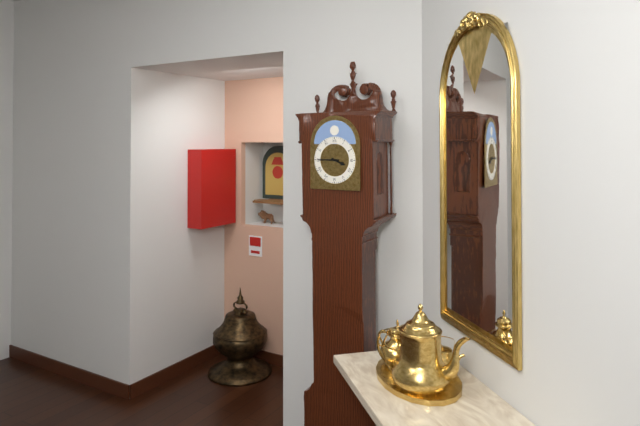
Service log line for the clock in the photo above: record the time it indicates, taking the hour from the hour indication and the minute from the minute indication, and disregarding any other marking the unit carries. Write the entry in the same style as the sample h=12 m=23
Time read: h=3 m=45
